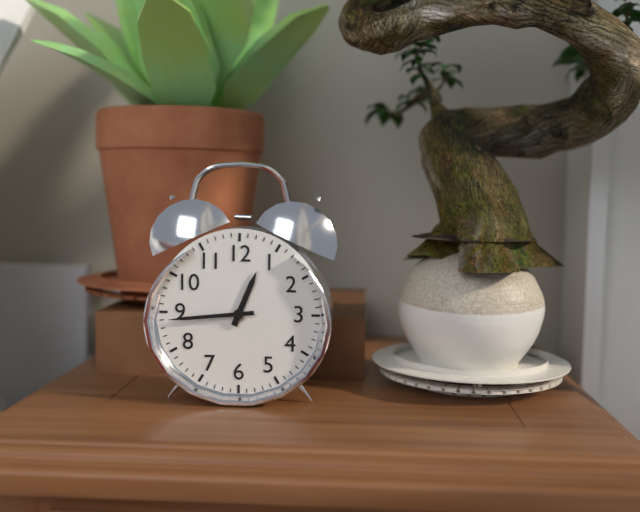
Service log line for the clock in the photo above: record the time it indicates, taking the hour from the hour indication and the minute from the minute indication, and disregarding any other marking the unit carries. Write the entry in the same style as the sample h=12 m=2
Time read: h=12 m=44
